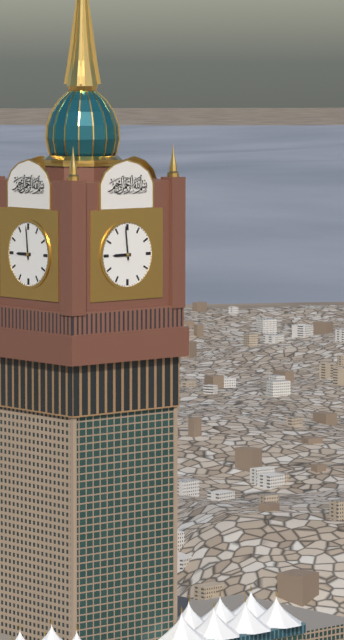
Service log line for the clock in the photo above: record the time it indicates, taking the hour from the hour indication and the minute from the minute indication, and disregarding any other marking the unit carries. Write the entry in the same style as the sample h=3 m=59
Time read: h=8 m=59
